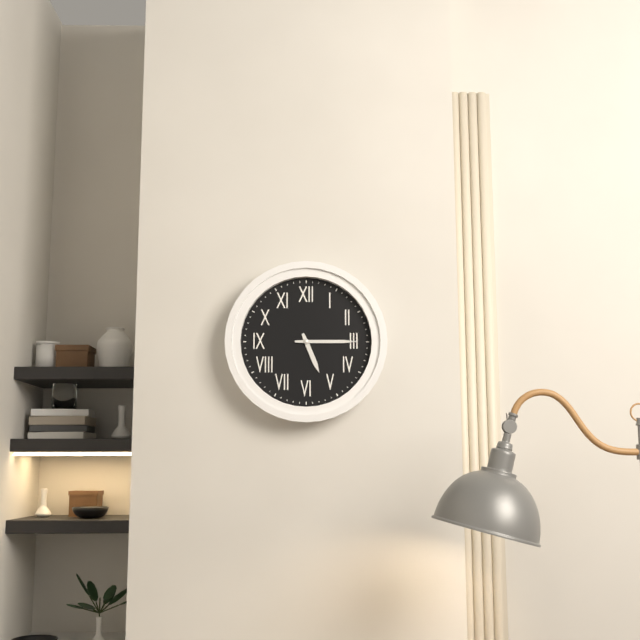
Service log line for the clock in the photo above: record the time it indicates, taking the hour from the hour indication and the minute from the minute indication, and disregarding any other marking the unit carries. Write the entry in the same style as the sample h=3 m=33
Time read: h=5 m=15
